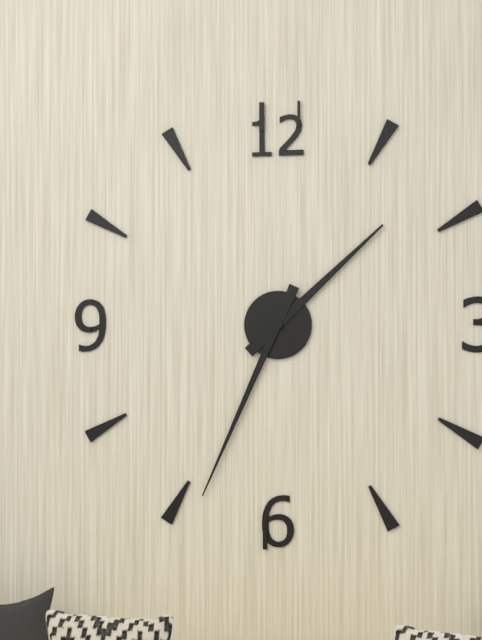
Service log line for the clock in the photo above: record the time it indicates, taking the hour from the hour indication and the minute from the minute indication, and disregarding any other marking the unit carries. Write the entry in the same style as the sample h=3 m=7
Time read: h=1 m=34
